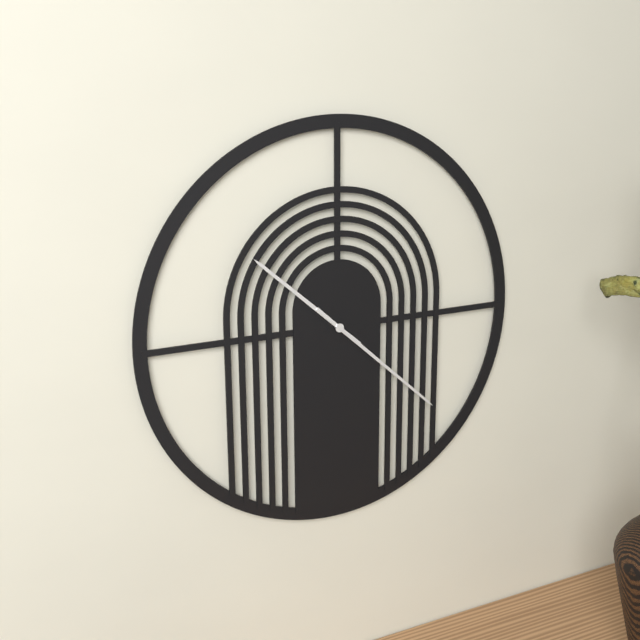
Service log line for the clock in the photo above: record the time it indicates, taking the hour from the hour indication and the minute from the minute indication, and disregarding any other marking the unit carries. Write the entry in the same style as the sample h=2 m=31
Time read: h=10 m=22
